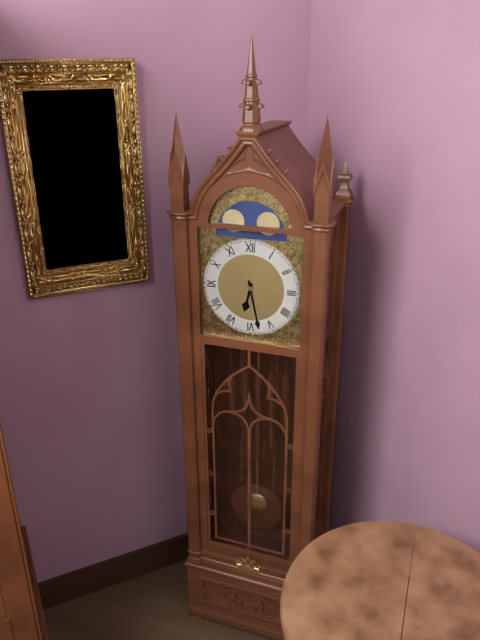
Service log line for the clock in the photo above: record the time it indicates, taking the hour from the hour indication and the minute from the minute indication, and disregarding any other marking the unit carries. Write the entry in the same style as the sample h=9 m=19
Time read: h=6 m=28
